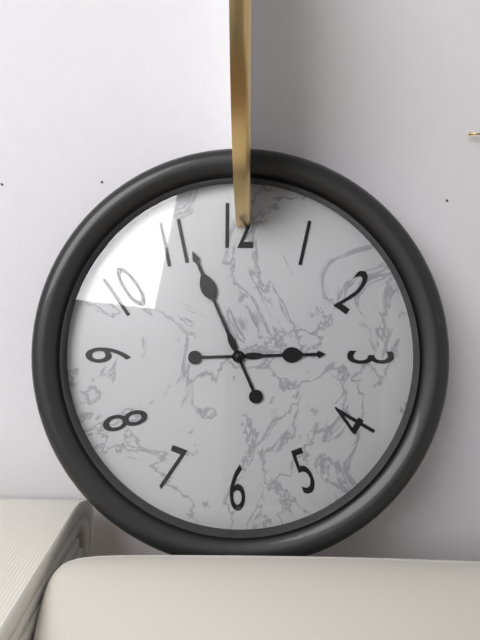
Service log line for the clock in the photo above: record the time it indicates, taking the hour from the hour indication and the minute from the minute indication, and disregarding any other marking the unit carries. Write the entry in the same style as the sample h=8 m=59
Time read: h=2 m=56
